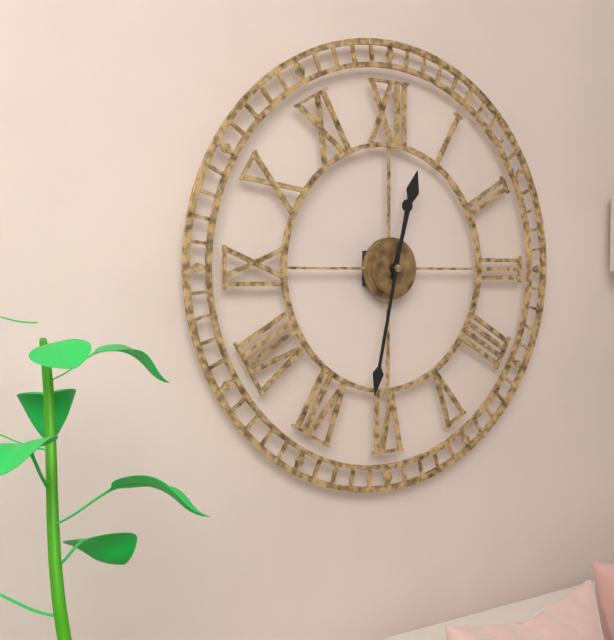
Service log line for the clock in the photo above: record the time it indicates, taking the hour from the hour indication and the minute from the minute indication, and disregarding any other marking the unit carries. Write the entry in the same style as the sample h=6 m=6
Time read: h=12 m=32
